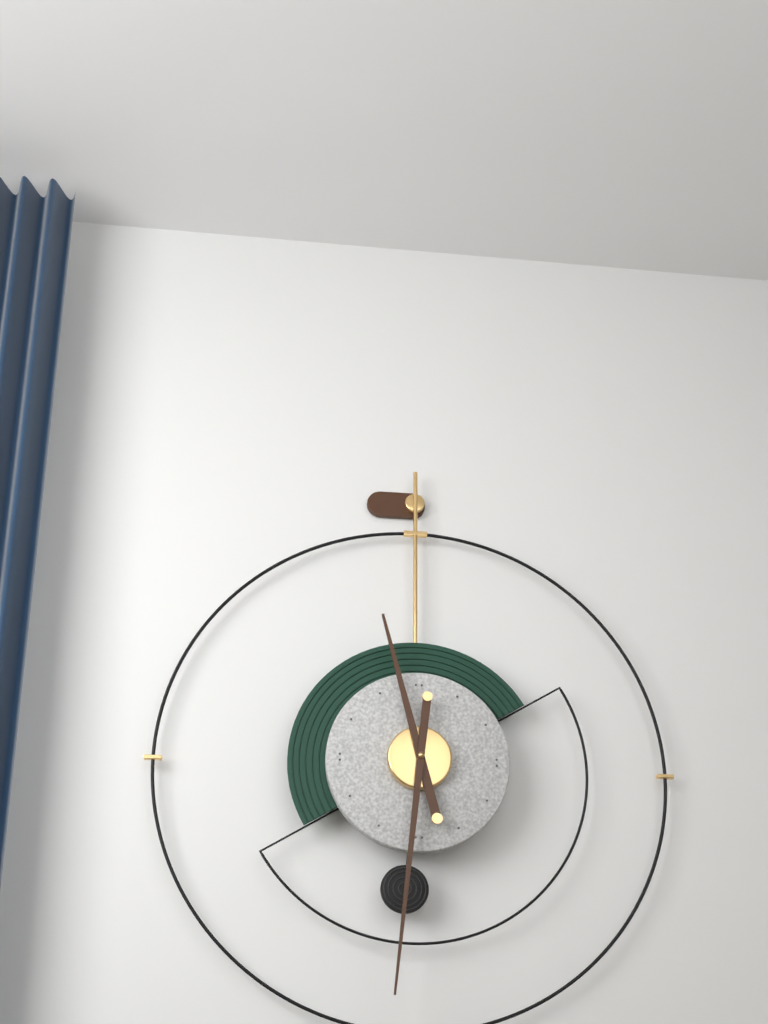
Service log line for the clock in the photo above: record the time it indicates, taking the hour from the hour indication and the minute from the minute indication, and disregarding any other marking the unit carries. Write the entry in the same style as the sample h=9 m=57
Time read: h=11 m=31
